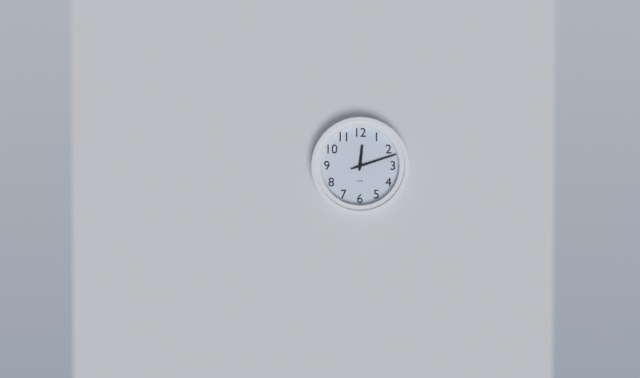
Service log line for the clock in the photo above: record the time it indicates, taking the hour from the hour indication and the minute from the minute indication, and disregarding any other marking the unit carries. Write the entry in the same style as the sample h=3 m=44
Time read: h=12 m=12
